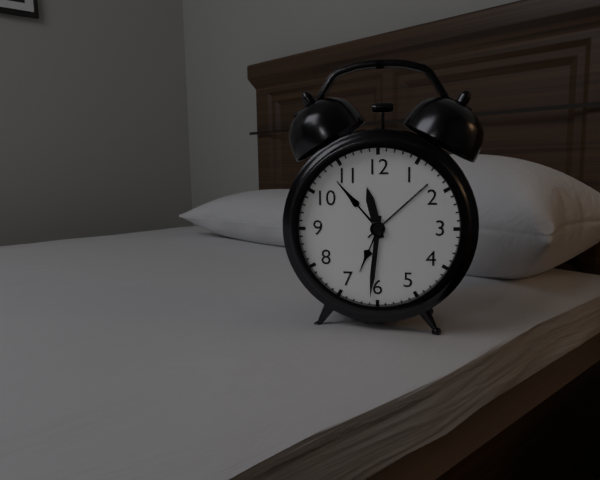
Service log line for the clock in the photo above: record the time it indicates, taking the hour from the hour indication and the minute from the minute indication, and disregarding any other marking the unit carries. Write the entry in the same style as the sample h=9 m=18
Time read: h=11 m=31
